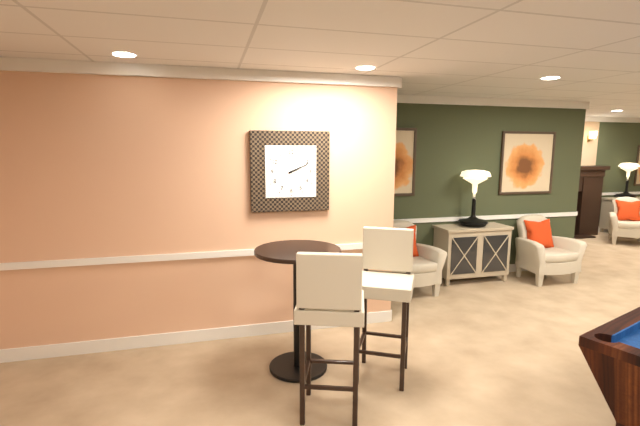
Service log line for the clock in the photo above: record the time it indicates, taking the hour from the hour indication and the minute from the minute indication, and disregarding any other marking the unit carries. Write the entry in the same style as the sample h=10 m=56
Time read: h=2 m=11
